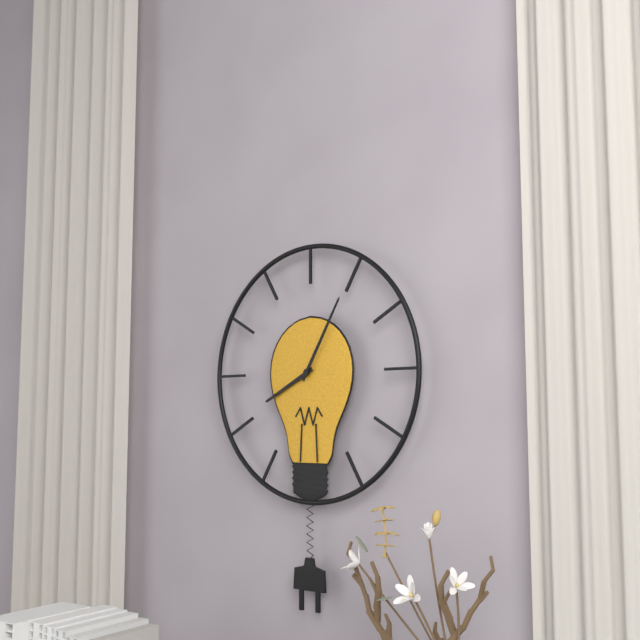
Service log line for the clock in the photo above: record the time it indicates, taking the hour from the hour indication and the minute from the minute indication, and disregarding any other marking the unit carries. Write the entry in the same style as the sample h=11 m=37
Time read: h=8 m=5
